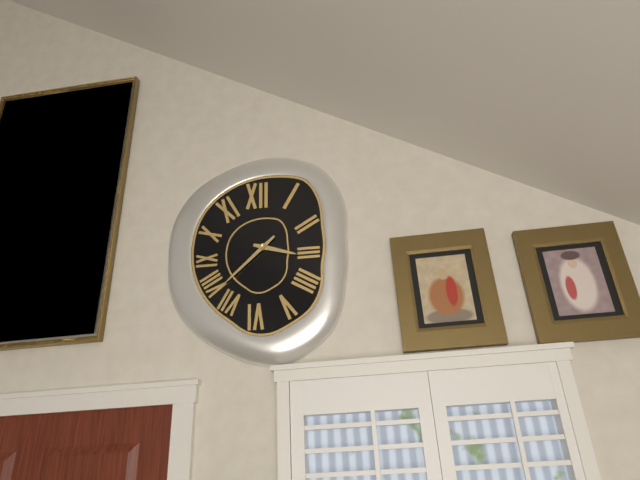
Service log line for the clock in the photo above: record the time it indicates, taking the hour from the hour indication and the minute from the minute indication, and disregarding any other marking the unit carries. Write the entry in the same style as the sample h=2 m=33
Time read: h=3 m=38
